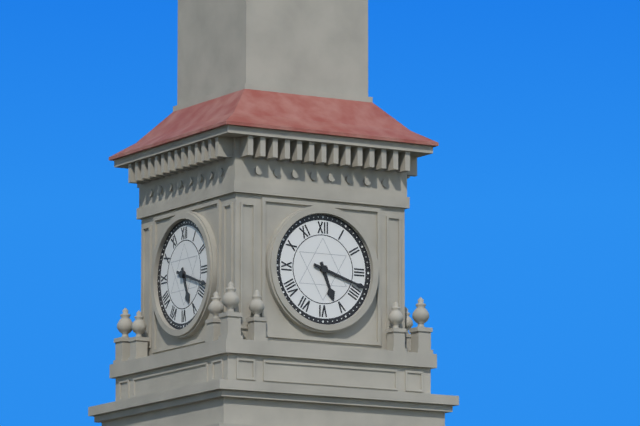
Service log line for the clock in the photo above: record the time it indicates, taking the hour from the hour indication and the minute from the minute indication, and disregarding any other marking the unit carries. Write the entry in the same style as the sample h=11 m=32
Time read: h=5 m=18
